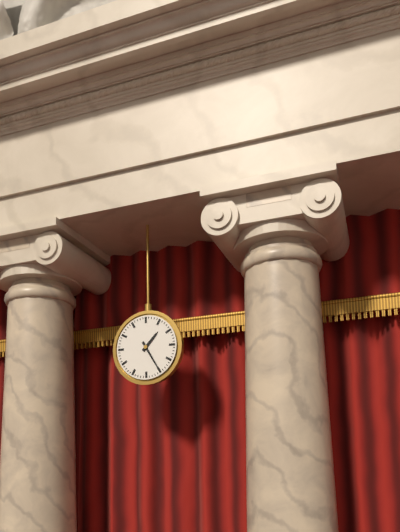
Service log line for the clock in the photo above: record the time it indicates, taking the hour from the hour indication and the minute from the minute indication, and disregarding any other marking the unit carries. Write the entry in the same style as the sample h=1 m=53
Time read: h=1 m=25
